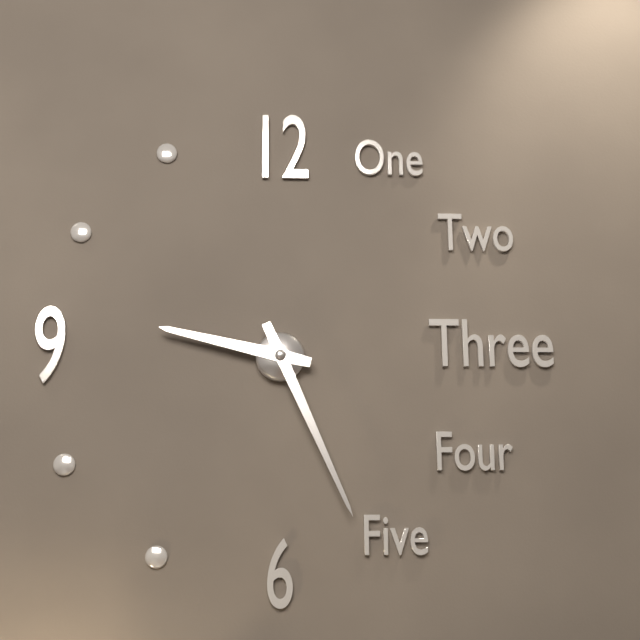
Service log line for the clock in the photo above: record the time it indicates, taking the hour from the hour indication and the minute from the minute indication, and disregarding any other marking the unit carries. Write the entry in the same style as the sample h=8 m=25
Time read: h=9 m=26
